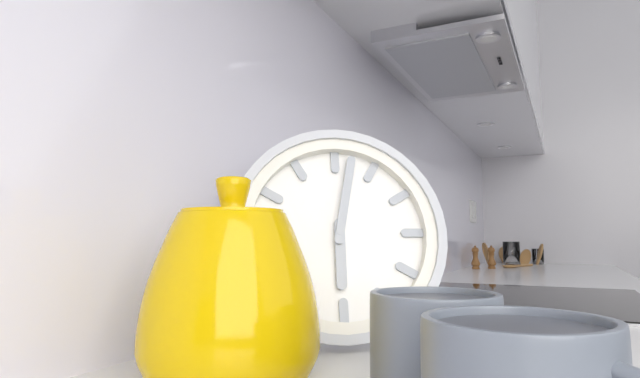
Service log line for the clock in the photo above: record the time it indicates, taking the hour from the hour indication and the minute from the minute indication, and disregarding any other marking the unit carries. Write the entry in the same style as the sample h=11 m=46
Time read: h=6 m=2
